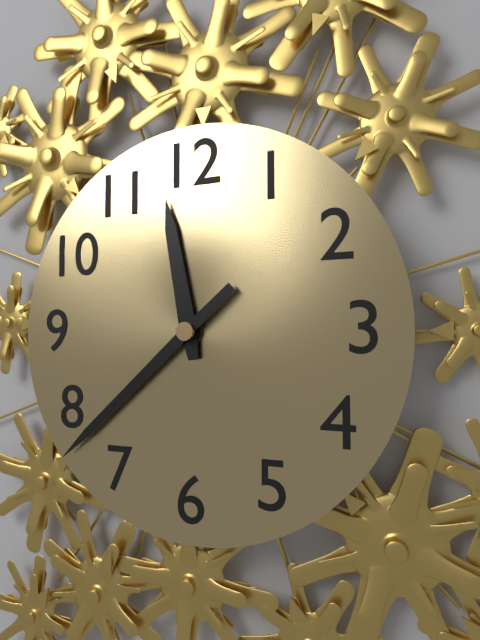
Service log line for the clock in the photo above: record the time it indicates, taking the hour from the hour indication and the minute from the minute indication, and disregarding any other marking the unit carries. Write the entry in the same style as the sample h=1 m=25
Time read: h=11 m=38
